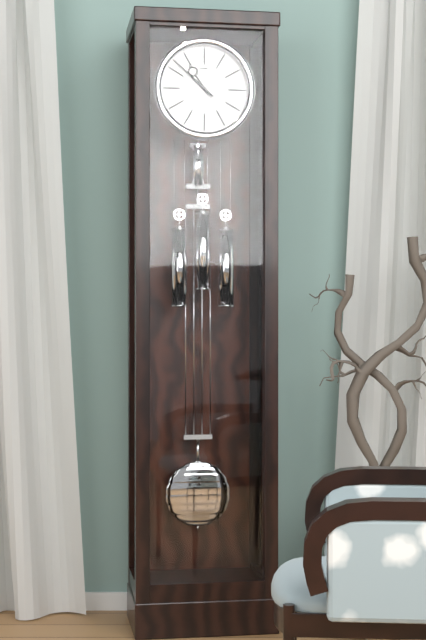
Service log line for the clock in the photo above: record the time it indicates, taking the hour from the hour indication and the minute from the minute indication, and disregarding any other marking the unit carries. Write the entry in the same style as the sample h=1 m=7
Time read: h=10 m=52
